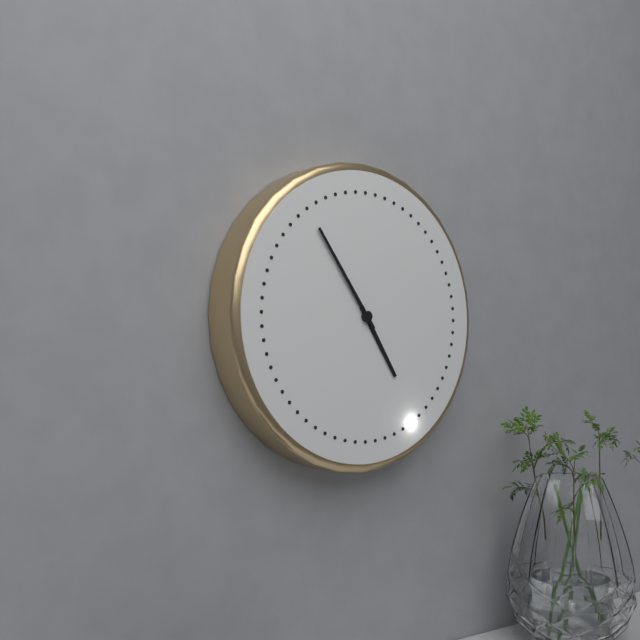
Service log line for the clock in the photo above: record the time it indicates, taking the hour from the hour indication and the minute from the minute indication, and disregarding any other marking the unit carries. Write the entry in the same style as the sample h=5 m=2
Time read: h=4 m=54
